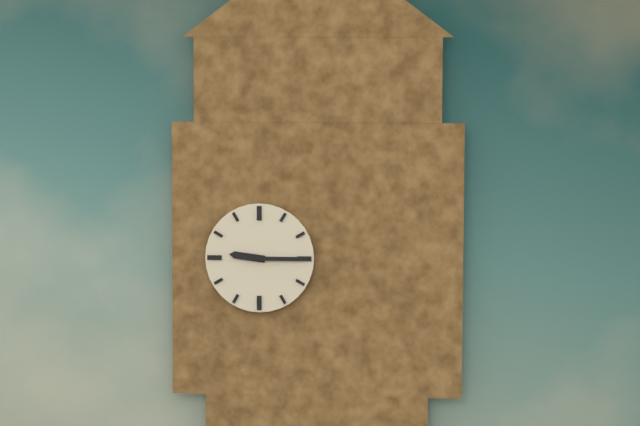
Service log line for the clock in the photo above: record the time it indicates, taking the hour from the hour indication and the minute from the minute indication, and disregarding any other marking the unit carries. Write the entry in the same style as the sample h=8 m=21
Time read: h=9 m=15
